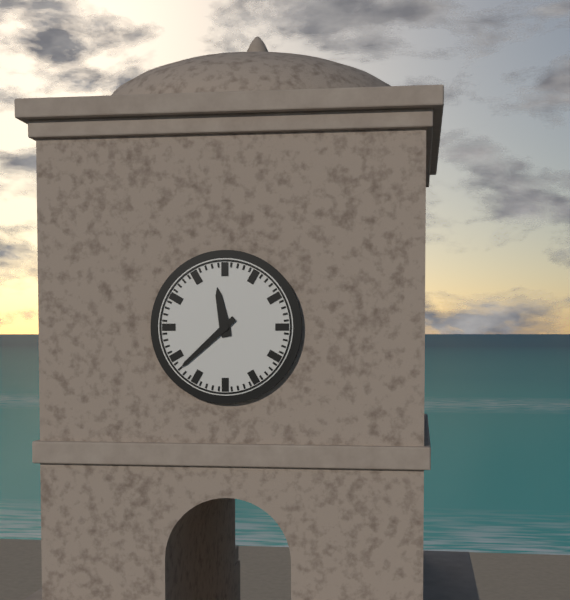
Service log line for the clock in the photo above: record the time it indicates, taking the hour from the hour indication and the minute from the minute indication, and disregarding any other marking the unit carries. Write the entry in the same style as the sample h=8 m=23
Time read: h=11 m=38
